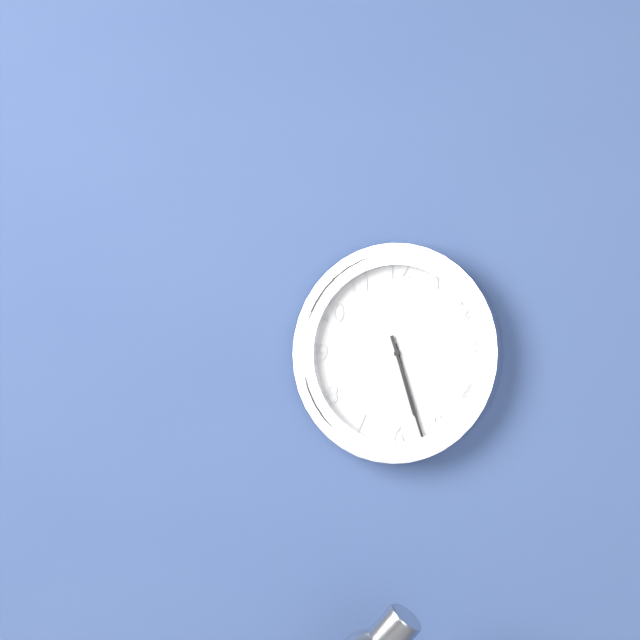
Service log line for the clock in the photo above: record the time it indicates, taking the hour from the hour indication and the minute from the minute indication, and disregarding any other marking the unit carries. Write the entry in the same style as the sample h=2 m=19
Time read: h=5 m=27
